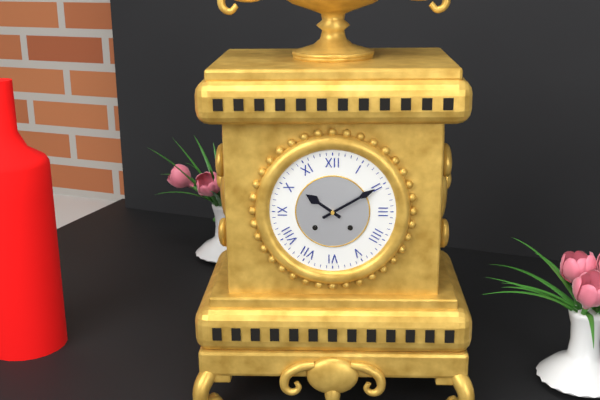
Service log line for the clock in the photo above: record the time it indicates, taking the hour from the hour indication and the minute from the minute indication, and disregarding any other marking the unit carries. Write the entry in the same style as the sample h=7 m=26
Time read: h=10 m=10
